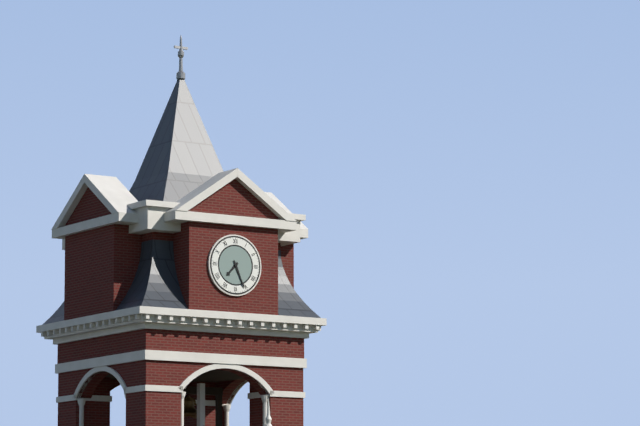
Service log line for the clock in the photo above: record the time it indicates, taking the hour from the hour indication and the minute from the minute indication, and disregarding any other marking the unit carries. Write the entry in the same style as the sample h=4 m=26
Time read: h=7 m=26
